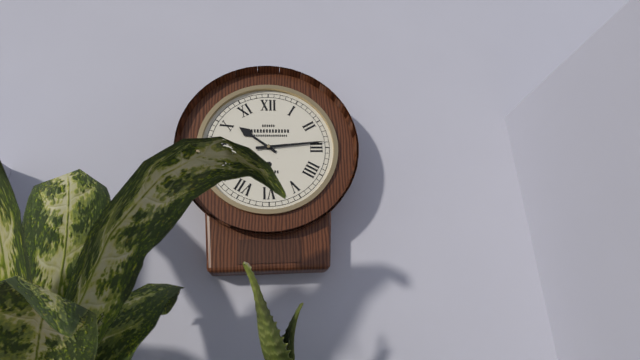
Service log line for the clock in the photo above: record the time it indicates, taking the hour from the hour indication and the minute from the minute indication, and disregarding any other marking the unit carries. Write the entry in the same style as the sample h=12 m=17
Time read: h=10 m=14
